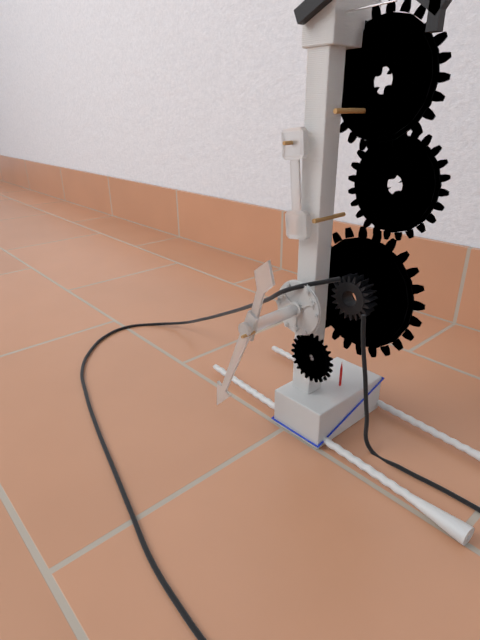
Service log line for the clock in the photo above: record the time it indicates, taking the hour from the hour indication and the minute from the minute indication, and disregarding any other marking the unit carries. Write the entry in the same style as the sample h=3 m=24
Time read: h=12 m=34
